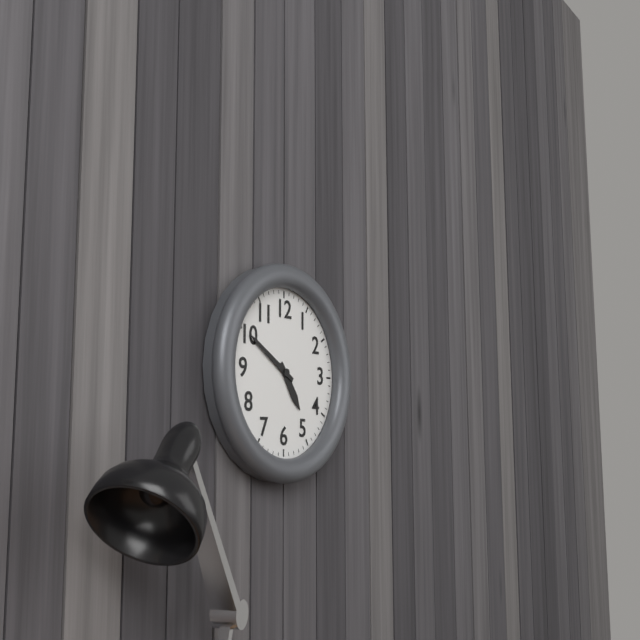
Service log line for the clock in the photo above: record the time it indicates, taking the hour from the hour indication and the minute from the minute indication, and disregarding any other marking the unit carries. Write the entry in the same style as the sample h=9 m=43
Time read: h=4 m=50
